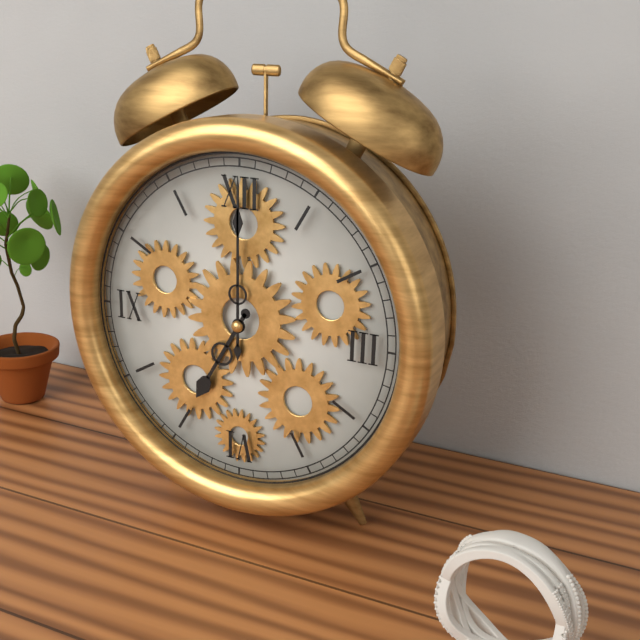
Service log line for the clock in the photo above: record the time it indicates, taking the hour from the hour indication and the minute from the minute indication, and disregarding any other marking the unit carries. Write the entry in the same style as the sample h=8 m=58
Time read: h=7 m=0
